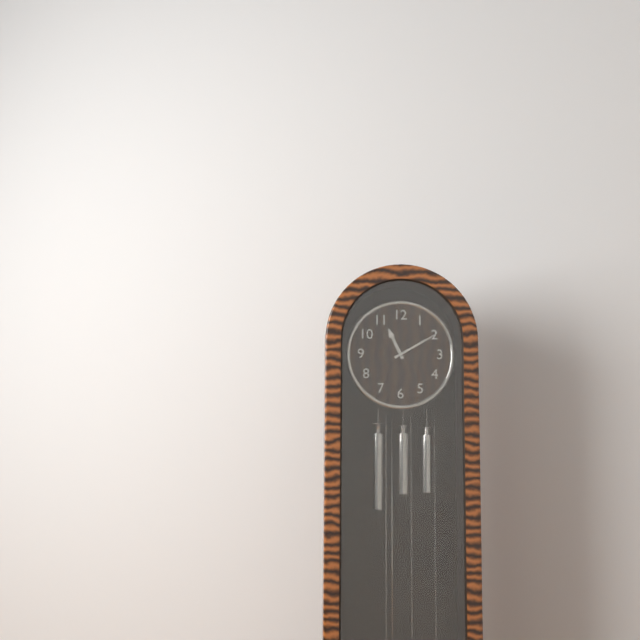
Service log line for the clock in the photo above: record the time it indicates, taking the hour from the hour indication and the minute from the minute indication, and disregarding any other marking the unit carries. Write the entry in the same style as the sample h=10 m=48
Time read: h=11 m=10
